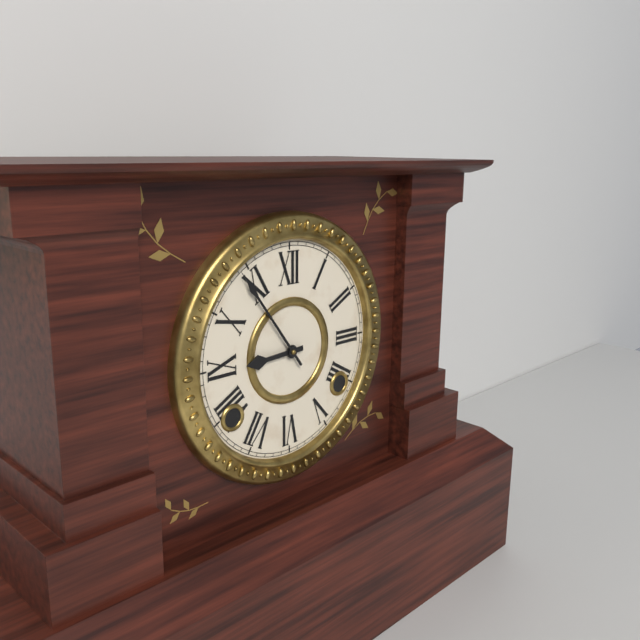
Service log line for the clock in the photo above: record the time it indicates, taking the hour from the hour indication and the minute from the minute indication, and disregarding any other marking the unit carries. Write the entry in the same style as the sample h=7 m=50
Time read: h=8 m=54
